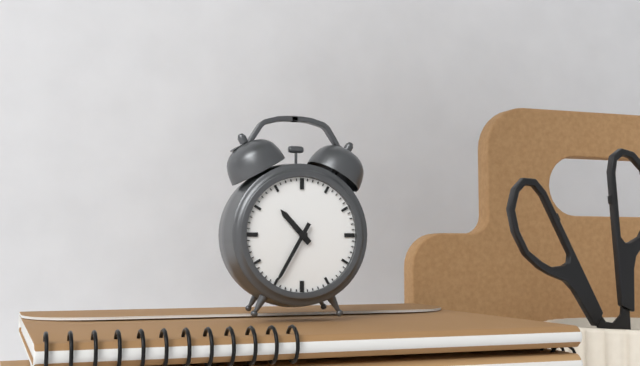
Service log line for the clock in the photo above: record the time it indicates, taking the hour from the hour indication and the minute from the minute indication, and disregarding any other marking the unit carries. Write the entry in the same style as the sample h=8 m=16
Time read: h=10 m=35
